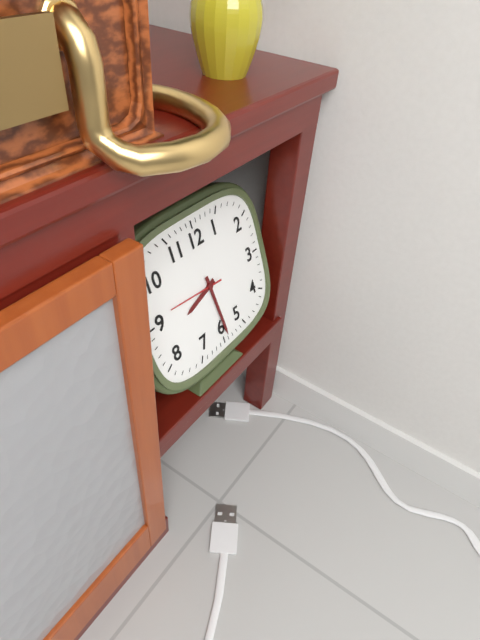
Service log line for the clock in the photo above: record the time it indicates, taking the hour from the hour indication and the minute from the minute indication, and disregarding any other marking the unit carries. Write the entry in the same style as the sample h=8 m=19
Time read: h=8 m=29
